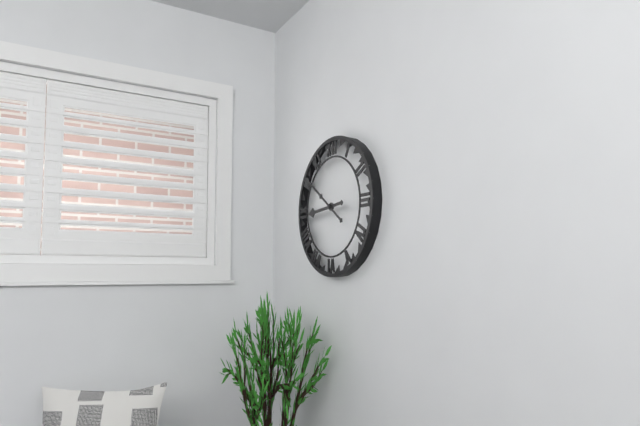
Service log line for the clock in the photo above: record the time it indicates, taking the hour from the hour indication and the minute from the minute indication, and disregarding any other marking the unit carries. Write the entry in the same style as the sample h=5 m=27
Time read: h=8 m=51
